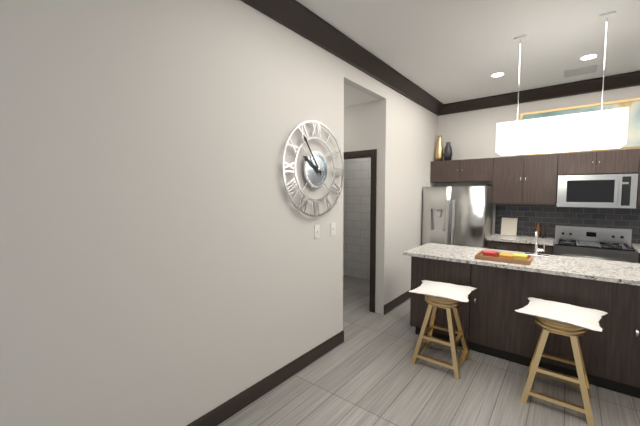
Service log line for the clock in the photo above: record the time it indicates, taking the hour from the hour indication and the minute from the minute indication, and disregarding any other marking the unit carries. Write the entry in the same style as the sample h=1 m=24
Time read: h=9 m=54
